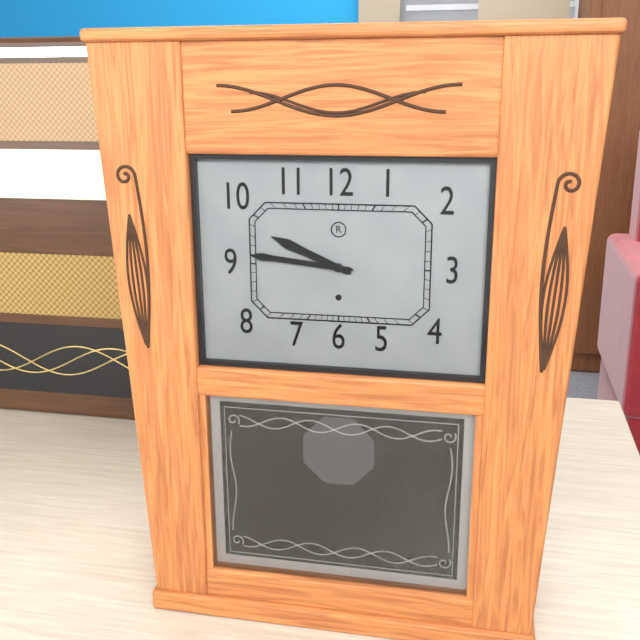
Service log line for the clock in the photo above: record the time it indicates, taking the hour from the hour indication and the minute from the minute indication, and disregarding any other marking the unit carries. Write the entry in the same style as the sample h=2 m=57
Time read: h=9 m=46
